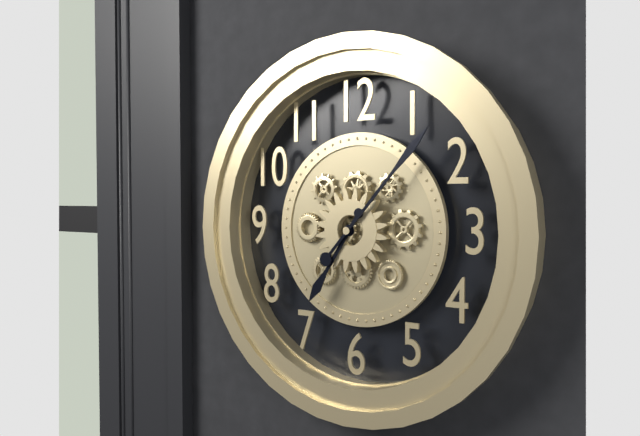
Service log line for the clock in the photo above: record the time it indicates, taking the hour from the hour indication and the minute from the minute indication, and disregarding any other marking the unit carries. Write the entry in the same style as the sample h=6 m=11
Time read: h=7 m=7
